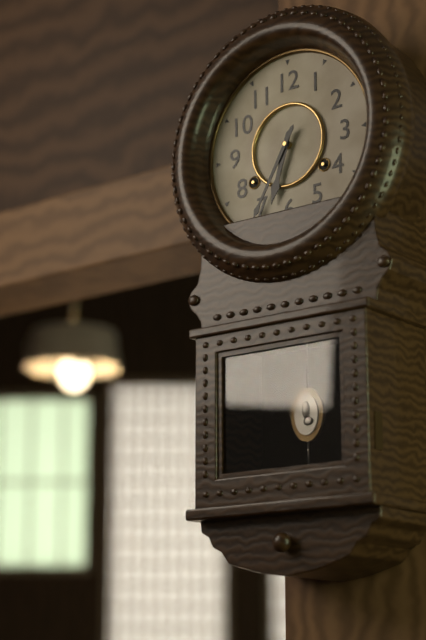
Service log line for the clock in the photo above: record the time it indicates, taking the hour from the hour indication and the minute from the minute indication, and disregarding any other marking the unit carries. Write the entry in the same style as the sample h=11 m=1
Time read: h=6 m=35
